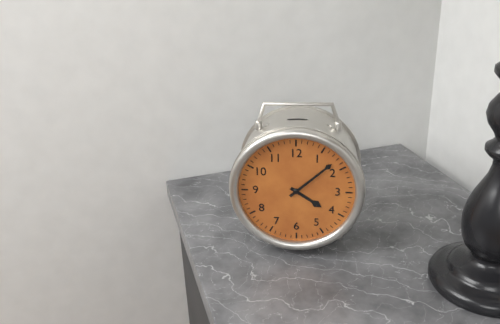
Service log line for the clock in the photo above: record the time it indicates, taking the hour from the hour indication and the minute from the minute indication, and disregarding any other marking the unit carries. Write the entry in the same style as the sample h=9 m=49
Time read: h=4 m=8
